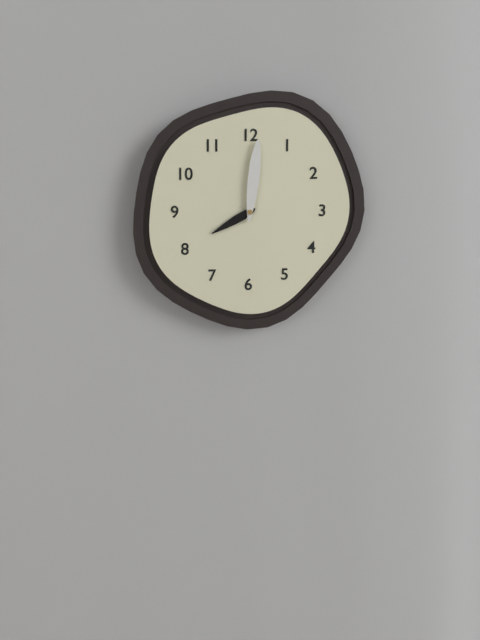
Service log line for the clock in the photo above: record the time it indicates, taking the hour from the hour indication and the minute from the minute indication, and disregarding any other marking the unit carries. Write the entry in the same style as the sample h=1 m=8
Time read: h=8 m=1
